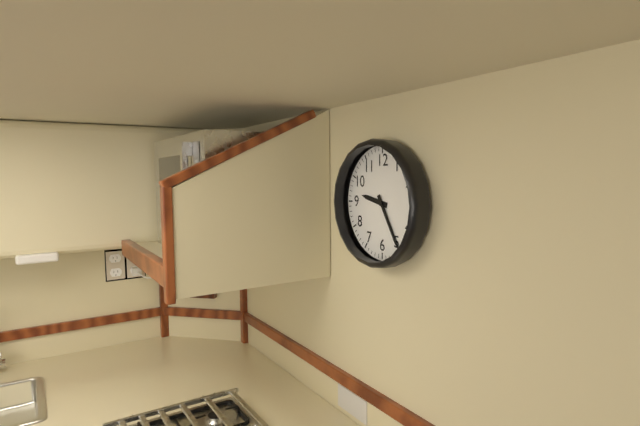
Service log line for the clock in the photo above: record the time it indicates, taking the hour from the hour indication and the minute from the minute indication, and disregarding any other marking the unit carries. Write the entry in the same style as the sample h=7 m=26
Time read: h=9 m=25
